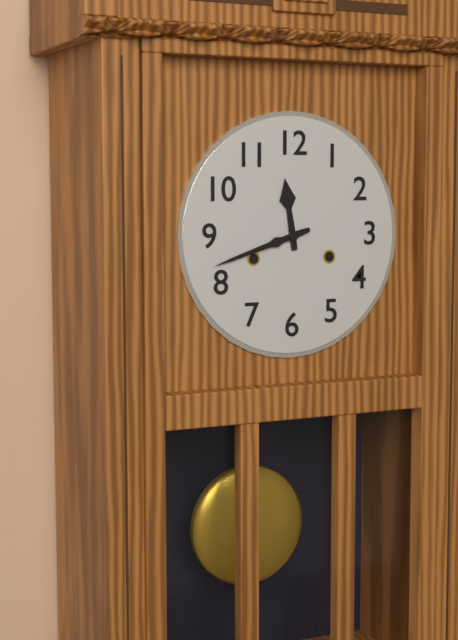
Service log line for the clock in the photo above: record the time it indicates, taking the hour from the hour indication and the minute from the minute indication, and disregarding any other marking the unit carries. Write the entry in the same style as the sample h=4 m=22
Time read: h=11 m=42
